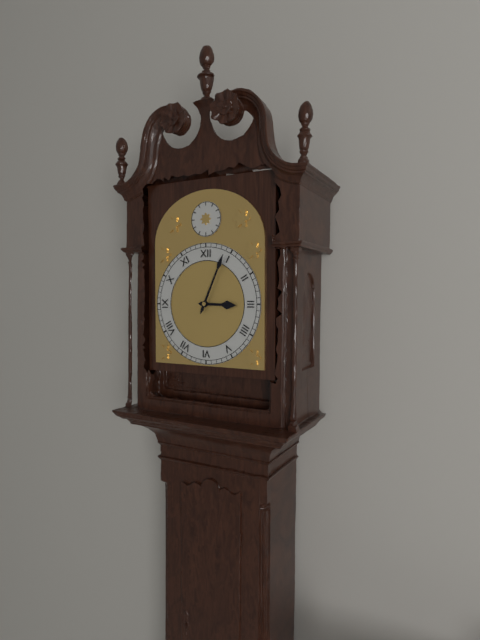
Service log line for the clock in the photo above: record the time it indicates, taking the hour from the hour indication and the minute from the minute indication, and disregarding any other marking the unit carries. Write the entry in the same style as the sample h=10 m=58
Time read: h=3 m=4
